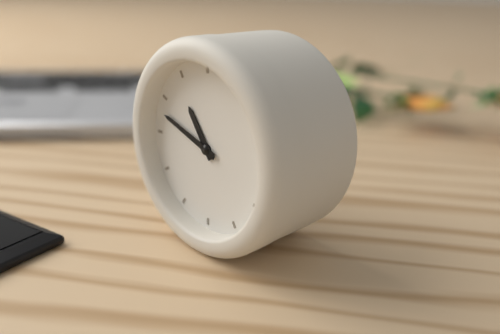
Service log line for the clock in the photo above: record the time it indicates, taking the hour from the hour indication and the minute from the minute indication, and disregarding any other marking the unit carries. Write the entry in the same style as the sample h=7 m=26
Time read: h=10 m=48
